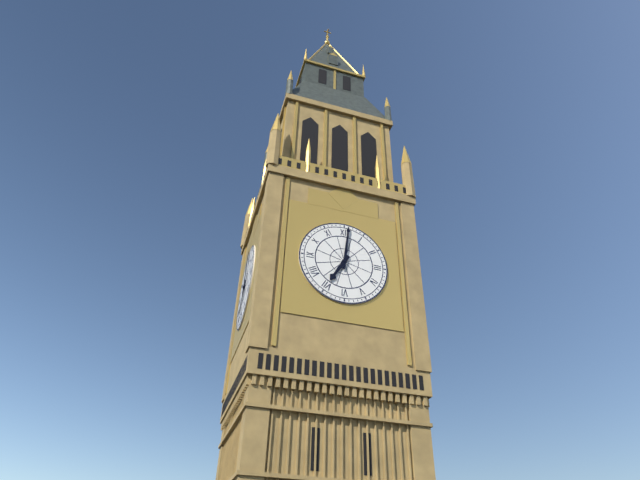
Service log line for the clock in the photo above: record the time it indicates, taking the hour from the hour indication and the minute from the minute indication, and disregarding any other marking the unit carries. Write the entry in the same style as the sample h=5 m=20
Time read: h=7 m=1
